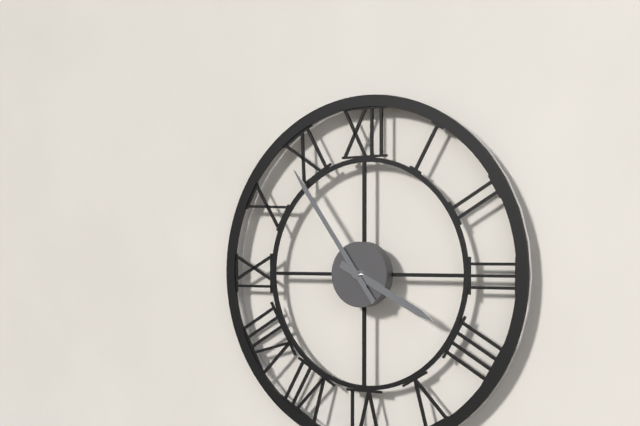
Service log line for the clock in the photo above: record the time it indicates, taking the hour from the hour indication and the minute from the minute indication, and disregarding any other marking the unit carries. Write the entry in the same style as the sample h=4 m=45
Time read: h=3 m=54
